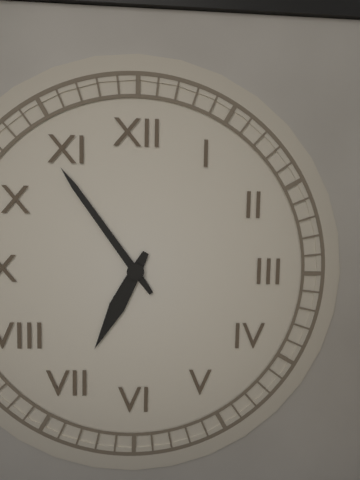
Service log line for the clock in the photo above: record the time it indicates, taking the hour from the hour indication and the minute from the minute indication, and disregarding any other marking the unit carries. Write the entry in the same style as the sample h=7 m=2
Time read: h=6 m=54
